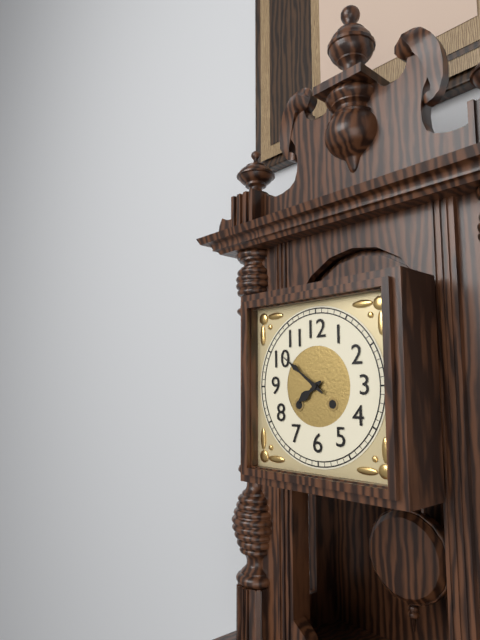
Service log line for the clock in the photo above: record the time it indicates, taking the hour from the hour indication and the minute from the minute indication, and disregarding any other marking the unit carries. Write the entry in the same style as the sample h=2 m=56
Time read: h=7 m=51
